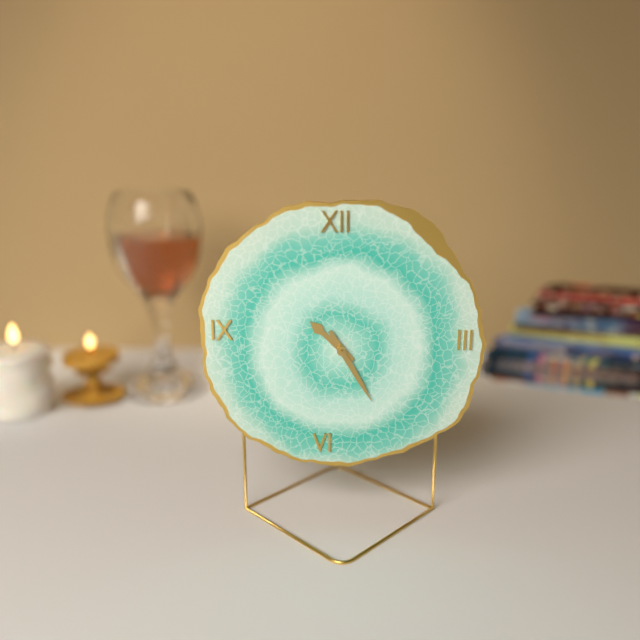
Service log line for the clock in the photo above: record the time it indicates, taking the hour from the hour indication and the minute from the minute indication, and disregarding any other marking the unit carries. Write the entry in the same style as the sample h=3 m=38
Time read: h=10 m=25
